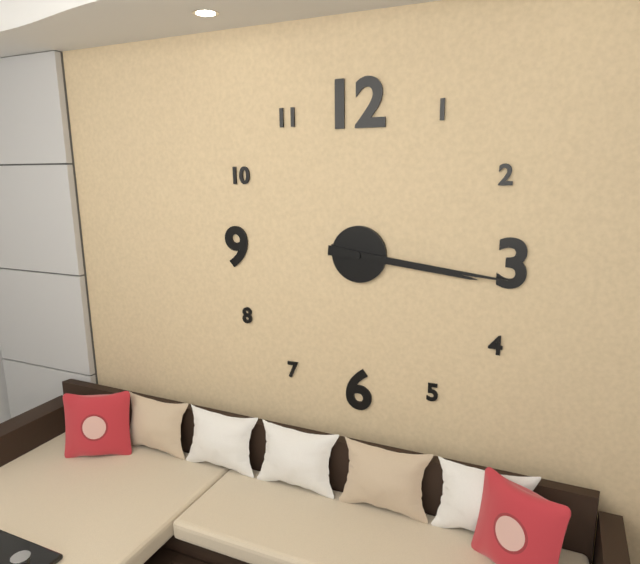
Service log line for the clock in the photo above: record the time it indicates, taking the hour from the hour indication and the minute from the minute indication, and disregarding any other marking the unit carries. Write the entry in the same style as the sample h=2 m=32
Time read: h=3 m=16
